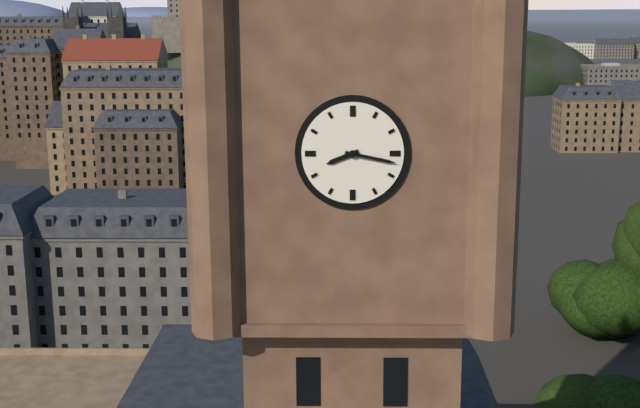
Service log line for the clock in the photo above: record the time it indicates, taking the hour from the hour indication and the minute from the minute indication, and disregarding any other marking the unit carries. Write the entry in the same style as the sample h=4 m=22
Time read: h=8 m=17
